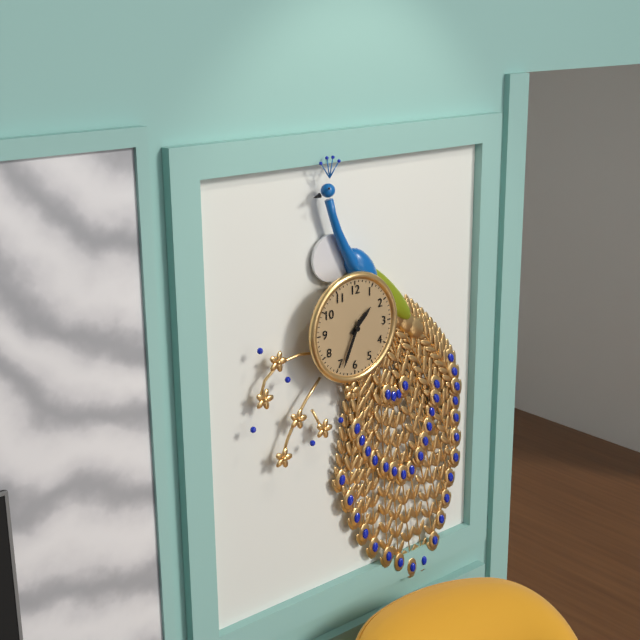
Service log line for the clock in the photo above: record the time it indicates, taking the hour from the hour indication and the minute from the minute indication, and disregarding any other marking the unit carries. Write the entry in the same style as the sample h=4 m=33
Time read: h=1 m=34
